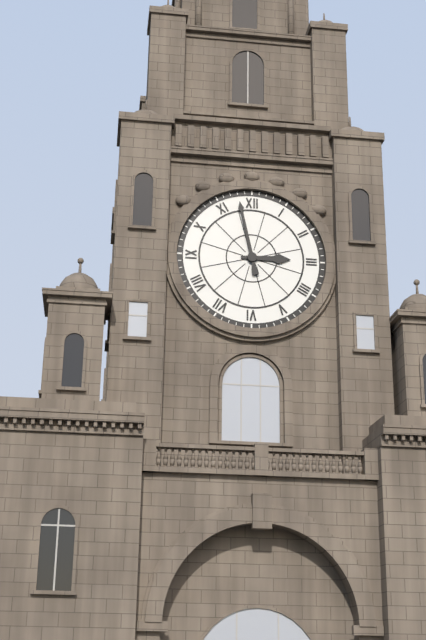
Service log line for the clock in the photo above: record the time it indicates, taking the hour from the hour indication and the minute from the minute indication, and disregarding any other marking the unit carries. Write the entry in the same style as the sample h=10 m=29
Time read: h=2 m=58
